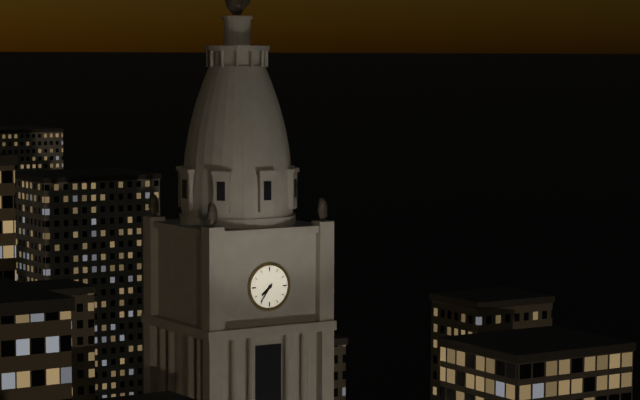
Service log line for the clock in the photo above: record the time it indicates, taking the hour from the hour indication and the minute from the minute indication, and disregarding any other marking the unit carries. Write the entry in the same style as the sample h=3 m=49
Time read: h=7 m=36
